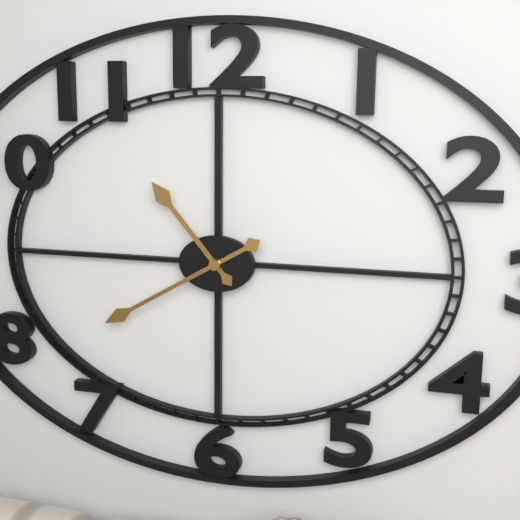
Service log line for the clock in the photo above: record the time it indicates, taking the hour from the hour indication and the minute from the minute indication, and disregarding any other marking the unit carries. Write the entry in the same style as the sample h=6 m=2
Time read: h=10 m=40
